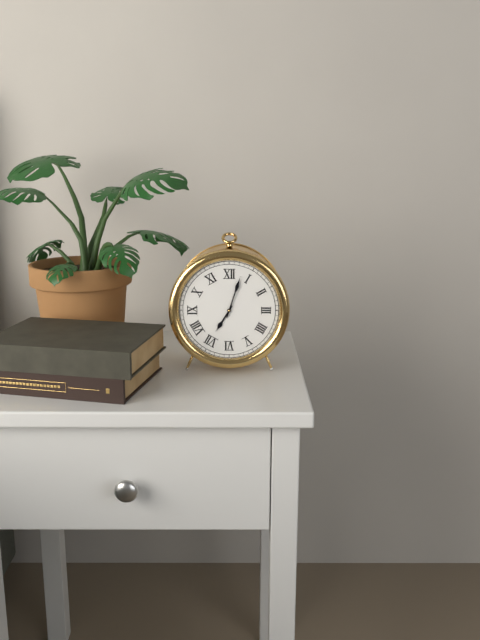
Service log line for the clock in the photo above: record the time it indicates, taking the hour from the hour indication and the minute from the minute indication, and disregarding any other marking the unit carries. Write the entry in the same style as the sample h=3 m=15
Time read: h=7 m=3
